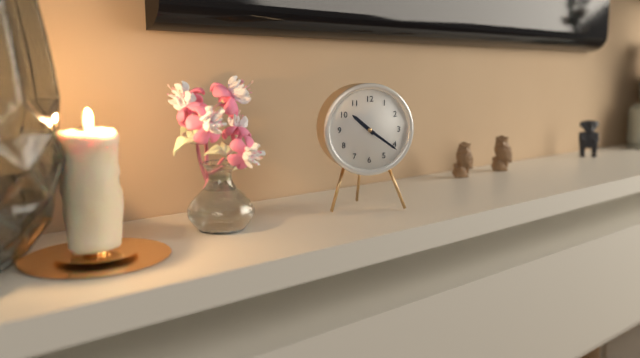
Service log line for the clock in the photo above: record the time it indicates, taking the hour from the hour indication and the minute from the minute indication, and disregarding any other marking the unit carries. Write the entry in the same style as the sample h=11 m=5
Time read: h=10 m=21
